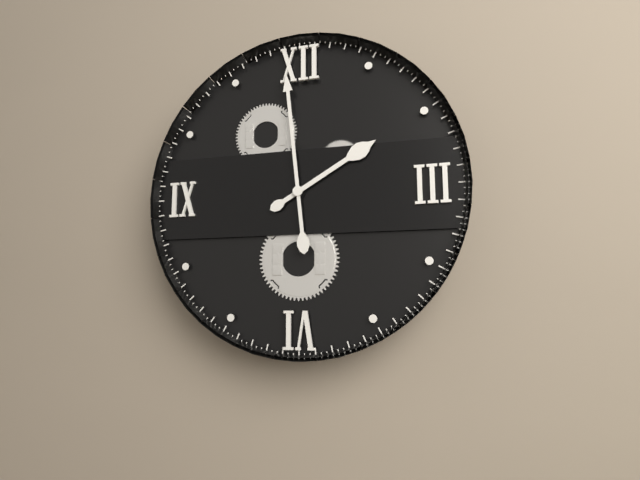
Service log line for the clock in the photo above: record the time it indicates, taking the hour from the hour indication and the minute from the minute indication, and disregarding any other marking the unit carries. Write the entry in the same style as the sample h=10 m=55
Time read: h=1 m=59
